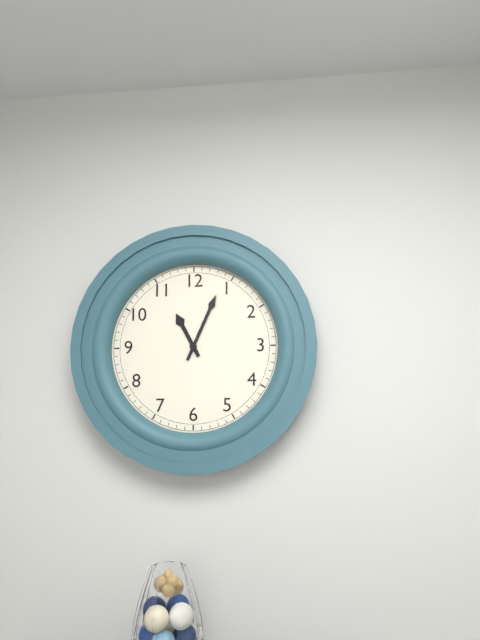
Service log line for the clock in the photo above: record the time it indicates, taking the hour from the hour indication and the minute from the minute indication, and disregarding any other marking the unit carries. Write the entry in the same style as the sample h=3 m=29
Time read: h=11 m=4
